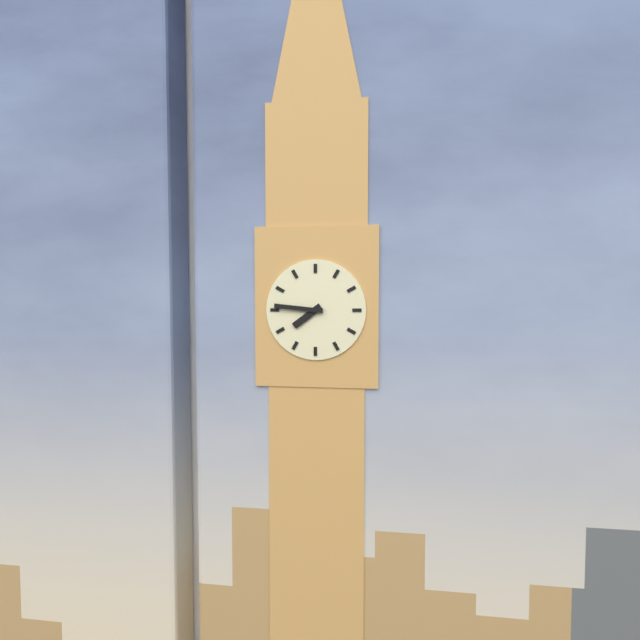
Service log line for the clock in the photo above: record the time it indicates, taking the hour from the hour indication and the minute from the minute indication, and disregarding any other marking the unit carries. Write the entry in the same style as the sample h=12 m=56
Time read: h=7 m=46
